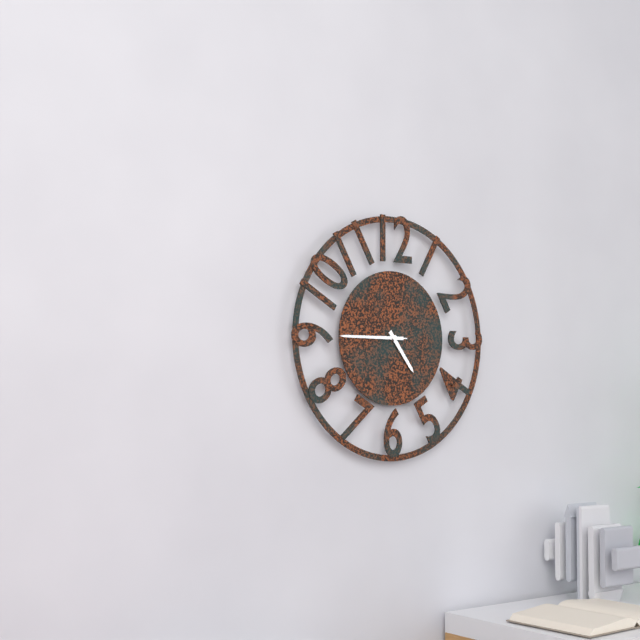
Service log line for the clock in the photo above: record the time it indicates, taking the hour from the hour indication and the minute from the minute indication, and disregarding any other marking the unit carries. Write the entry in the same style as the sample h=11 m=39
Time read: h=4 m=45
